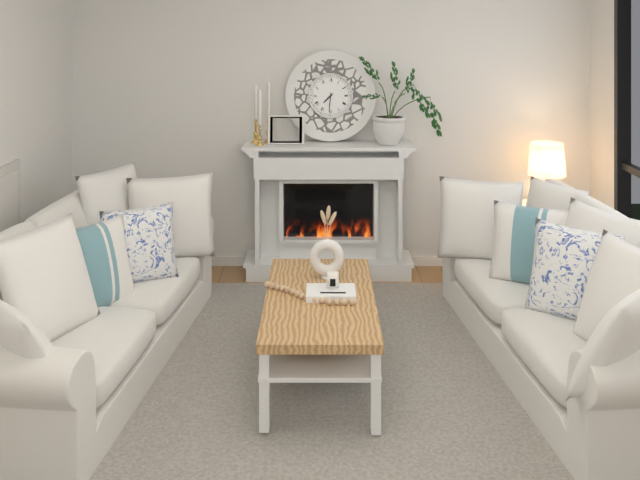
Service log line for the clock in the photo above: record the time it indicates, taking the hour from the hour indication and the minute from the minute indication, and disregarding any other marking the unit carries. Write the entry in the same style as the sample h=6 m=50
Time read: h=7 m=31
